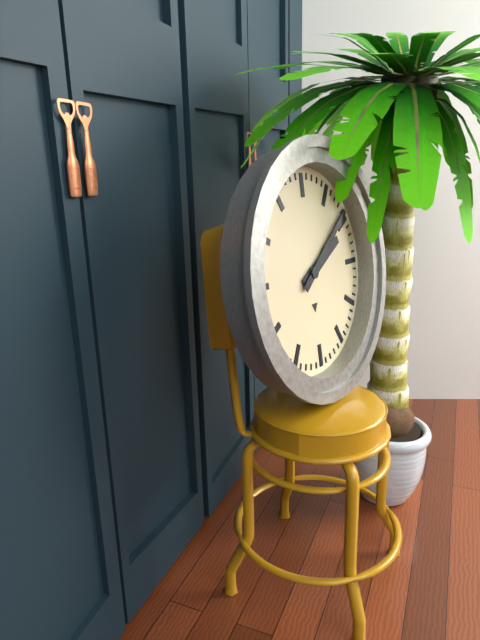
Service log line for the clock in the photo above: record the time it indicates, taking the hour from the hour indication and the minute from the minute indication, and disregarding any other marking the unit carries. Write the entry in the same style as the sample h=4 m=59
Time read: h=2 m=9
